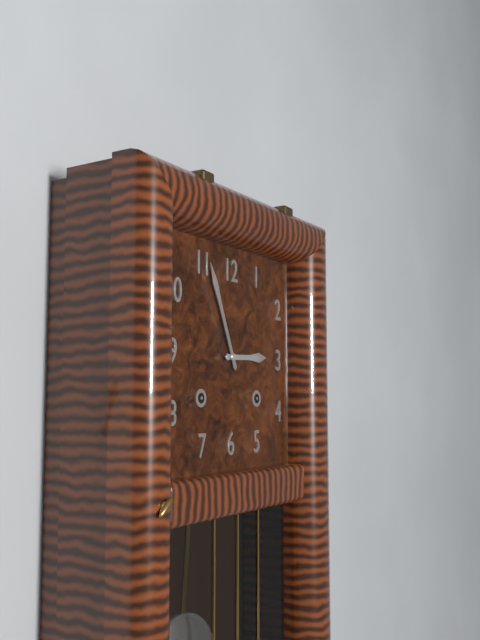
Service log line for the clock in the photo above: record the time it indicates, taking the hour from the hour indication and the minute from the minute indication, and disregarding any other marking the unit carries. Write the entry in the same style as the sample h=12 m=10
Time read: h=2 m=56
